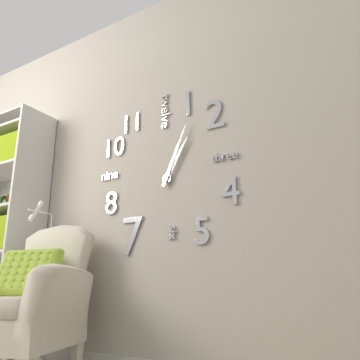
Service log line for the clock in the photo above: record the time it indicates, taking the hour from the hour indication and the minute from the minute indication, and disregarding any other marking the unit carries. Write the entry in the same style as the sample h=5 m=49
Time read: h=1 m=4
